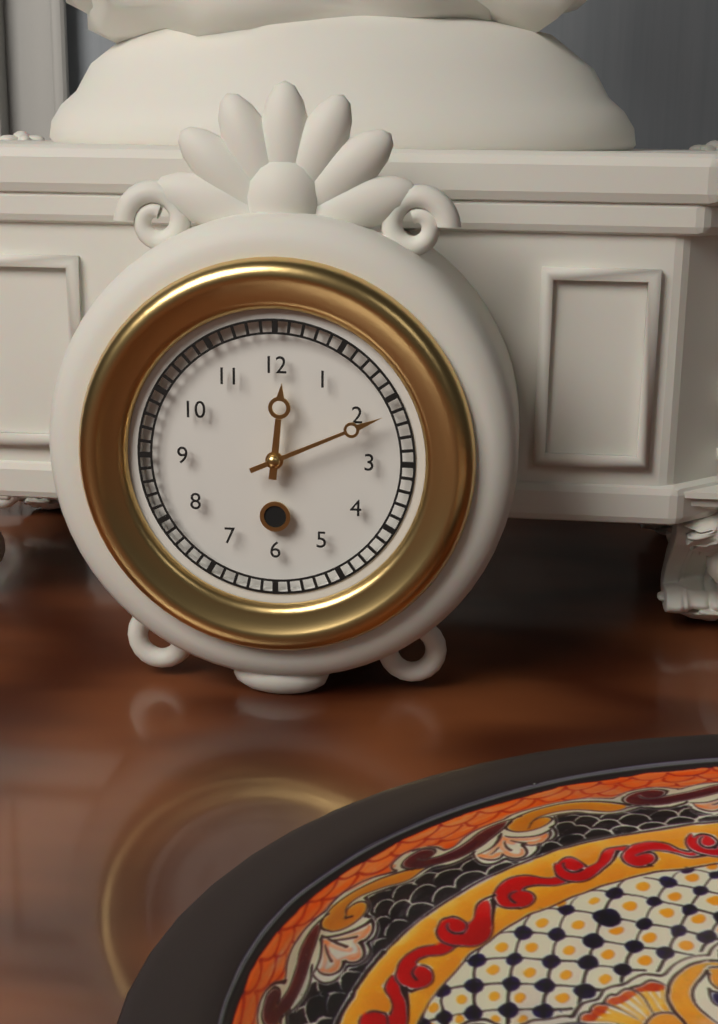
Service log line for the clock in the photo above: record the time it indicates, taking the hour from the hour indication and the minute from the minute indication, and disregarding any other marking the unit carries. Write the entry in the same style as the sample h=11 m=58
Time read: h=12 m=11
